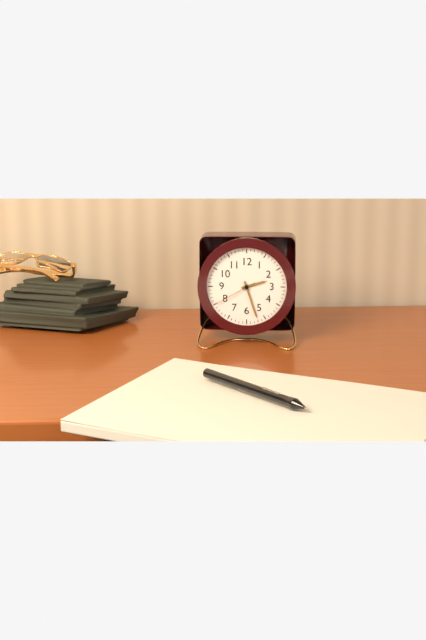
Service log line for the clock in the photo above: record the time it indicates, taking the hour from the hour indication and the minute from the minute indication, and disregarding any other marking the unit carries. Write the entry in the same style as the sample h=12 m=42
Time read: h=2 m=27
